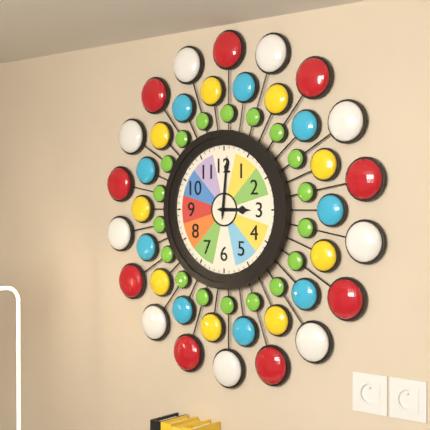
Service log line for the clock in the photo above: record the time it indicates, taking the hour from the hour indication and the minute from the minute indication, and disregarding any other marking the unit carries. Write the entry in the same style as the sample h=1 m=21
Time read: h=3 m=1
